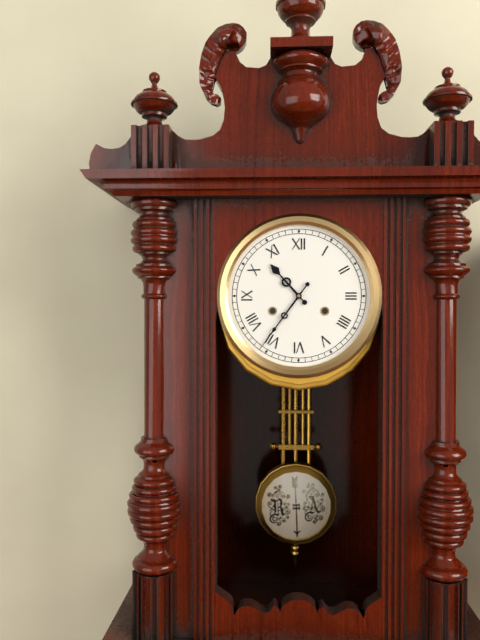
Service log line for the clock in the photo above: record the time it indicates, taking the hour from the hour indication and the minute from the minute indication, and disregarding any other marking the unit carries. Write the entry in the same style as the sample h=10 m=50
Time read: h=10 m=36
